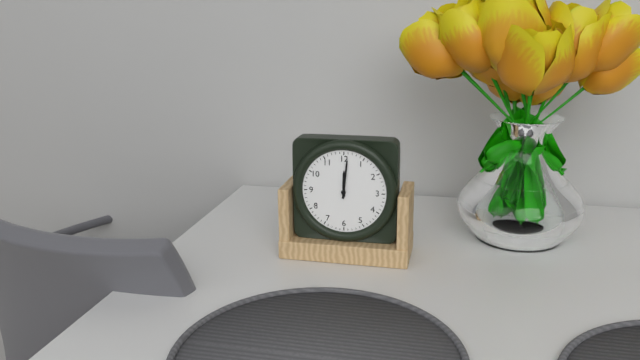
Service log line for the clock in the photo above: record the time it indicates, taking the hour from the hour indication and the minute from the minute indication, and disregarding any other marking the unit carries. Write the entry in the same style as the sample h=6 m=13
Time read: h=12 m=1
